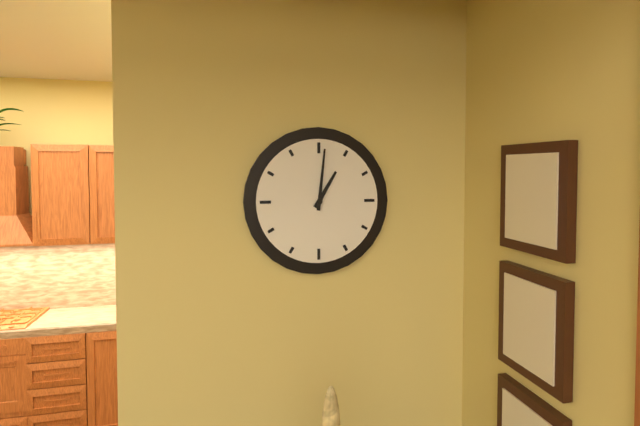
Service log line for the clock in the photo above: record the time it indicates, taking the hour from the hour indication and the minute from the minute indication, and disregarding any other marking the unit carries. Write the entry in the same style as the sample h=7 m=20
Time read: h=1 m=1
